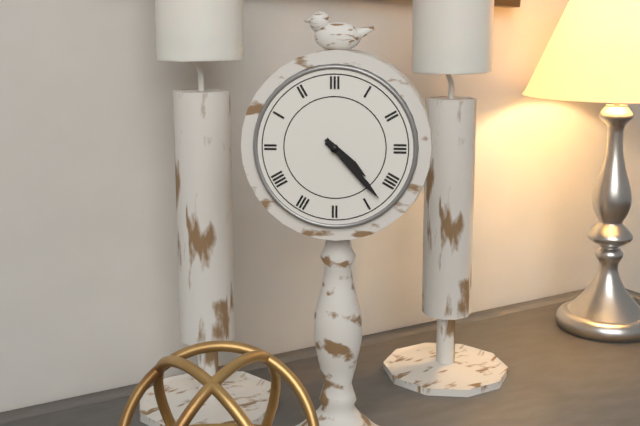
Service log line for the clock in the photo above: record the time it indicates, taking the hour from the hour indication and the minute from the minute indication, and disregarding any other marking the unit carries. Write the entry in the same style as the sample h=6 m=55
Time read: h=4 m=23
